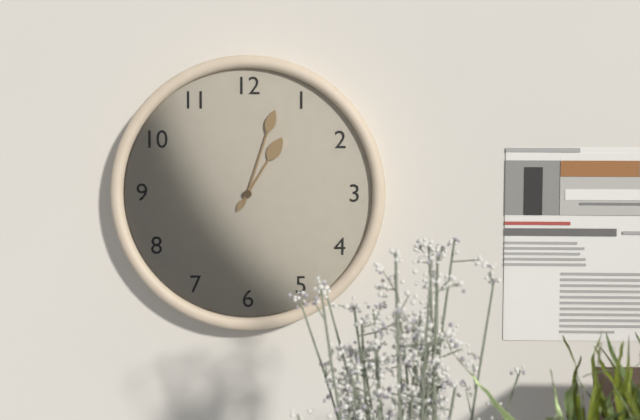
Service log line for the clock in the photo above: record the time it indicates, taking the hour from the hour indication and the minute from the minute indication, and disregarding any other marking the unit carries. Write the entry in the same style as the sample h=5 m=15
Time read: h=1 m=3
